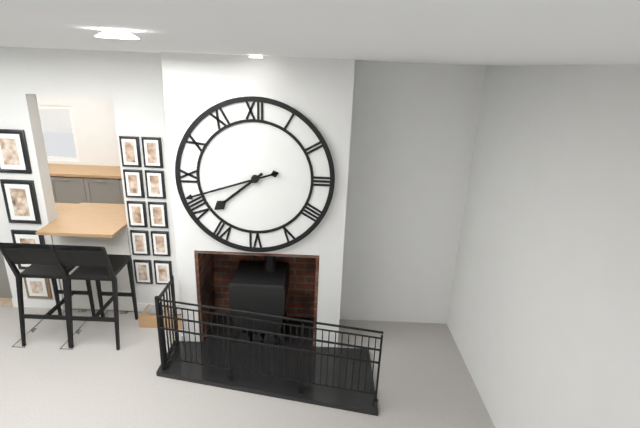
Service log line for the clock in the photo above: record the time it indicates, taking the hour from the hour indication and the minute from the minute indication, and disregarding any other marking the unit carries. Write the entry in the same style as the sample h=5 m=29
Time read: h=7 m=42
